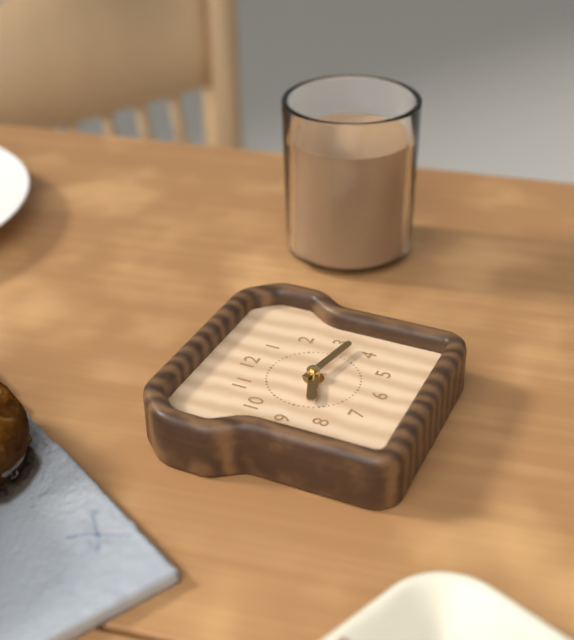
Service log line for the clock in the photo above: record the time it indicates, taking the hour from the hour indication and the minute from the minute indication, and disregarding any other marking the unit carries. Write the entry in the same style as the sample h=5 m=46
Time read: h=8 m=17
